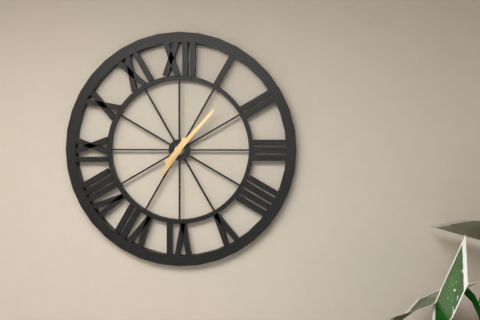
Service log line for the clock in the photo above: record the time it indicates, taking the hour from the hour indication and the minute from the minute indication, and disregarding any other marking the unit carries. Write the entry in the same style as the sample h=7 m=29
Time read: h=7 m=7
